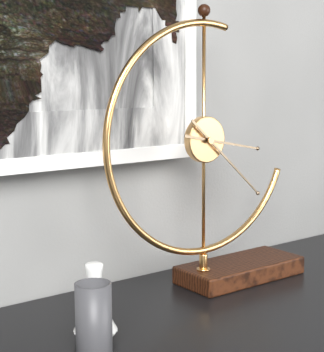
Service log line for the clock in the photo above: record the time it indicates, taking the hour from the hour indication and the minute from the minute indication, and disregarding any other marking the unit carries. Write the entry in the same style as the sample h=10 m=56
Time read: h=3 m=22
